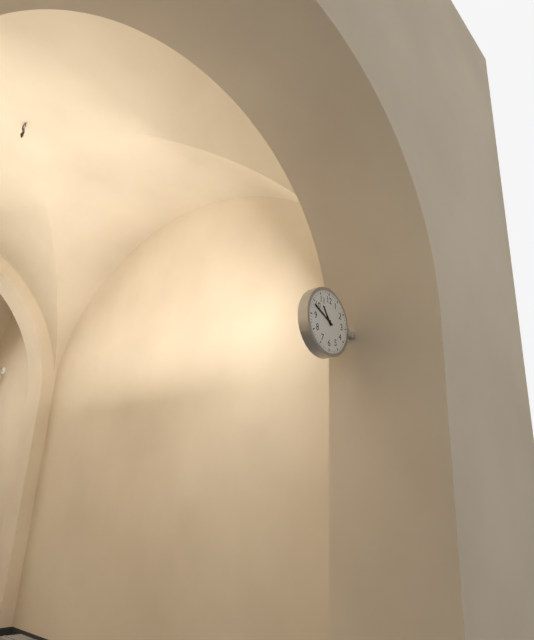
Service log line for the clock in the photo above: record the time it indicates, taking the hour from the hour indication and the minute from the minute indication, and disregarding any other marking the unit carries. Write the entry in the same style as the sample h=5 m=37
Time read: h=10 m=49
